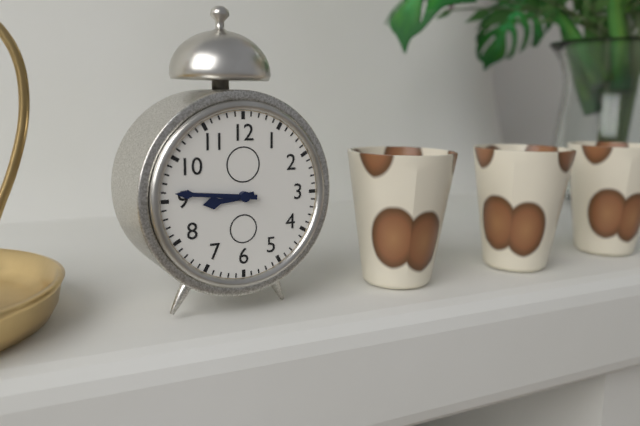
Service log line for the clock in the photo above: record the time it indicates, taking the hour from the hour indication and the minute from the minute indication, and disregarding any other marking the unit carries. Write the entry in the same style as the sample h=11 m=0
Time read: h=8 m=46
